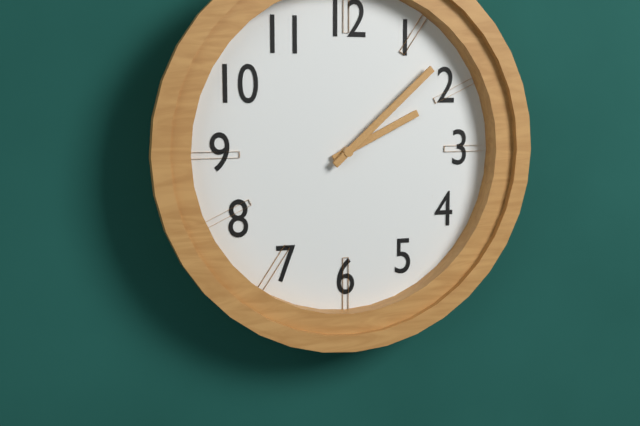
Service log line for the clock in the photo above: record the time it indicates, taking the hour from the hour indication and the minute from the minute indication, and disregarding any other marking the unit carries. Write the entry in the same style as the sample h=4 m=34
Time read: h=2 m=8
